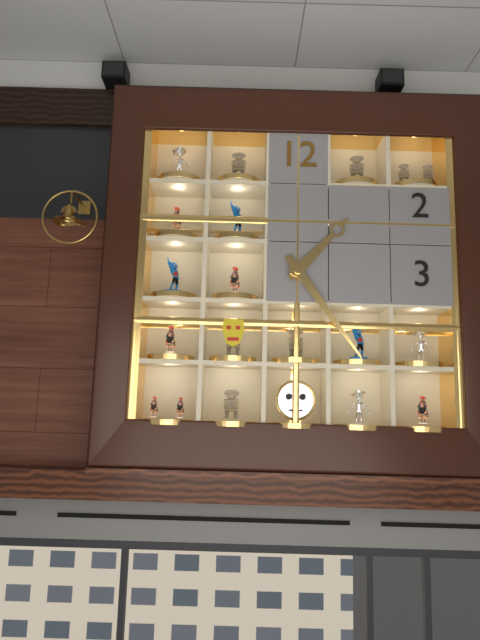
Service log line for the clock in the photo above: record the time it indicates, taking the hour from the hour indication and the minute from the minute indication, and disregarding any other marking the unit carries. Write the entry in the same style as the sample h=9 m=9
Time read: h=1 m=24
